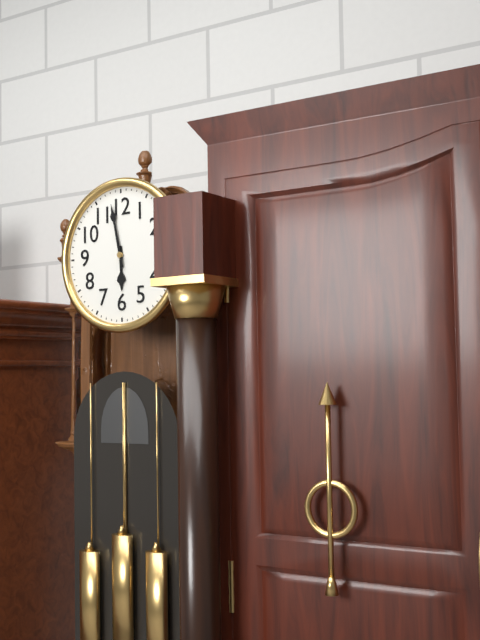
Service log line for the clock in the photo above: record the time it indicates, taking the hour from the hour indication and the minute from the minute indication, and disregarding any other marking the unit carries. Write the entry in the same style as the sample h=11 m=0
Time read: h=5 m=58
